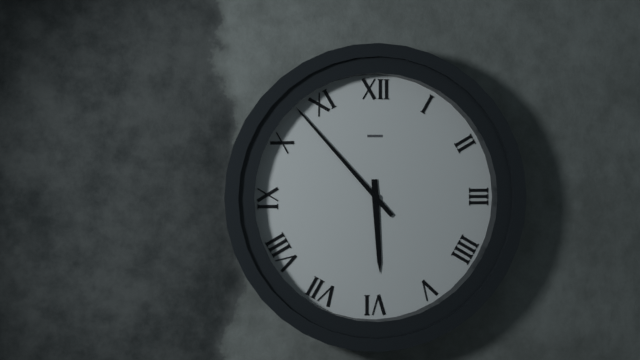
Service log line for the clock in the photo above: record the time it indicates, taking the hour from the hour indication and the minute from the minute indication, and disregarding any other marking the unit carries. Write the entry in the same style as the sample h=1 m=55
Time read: h=5 m=53
